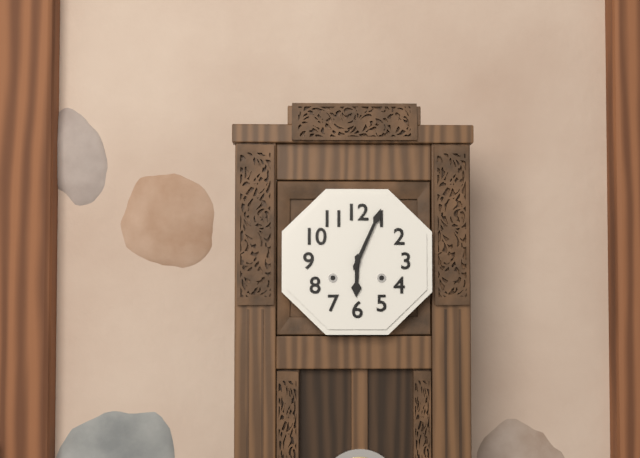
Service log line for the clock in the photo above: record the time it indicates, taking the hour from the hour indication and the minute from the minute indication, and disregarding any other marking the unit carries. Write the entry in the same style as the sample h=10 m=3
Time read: h=6 m=4
